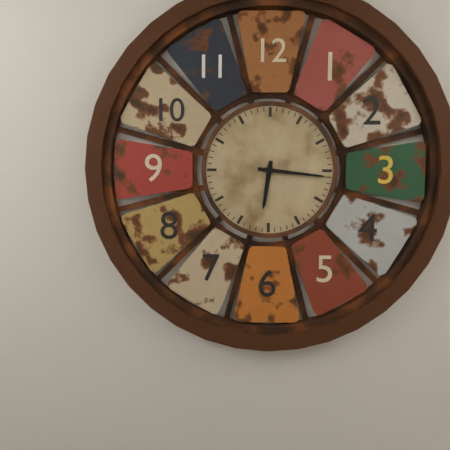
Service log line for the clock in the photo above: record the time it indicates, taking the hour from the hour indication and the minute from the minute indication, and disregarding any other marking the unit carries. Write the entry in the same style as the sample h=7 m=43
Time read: h=6 m=16
